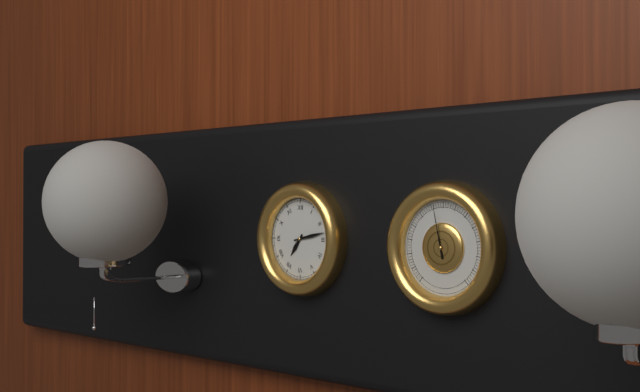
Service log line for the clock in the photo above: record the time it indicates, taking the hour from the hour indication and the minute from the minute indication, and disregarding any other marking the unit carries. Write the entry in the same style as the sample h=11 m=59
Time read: h=7 m=13
